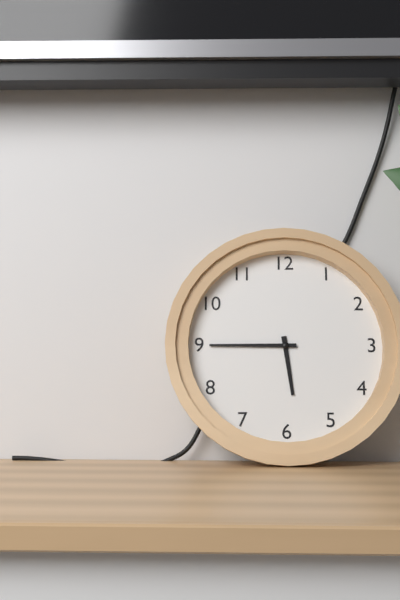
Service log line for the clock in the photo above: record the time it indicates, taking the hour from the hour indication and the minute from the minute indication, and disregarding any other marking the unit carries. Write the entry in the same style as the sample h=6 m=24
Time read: h=5 m=45
